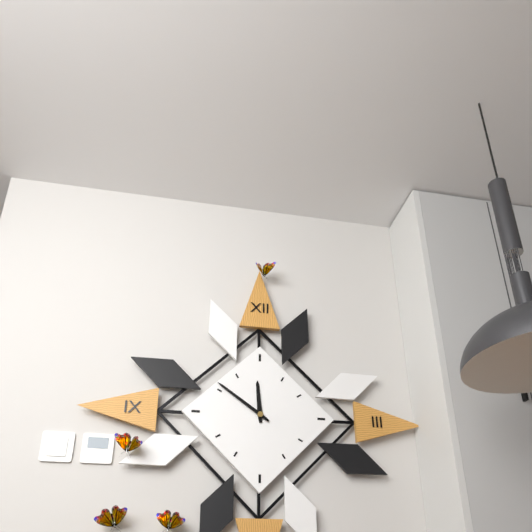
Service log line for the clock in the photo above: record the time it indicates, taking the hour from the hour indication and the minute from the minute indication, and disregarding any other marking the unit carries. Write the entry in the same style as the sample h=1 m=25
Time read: h=11 m=51
